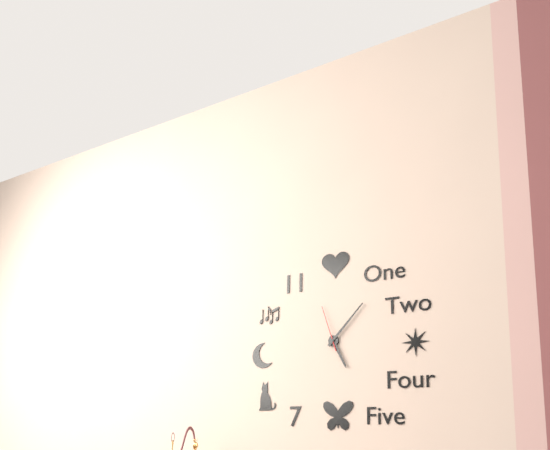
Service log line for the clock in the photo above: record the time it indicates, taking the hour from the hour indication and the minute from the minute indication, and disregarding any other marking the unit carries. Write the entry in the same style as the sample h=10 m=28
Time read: h=5 m=7
